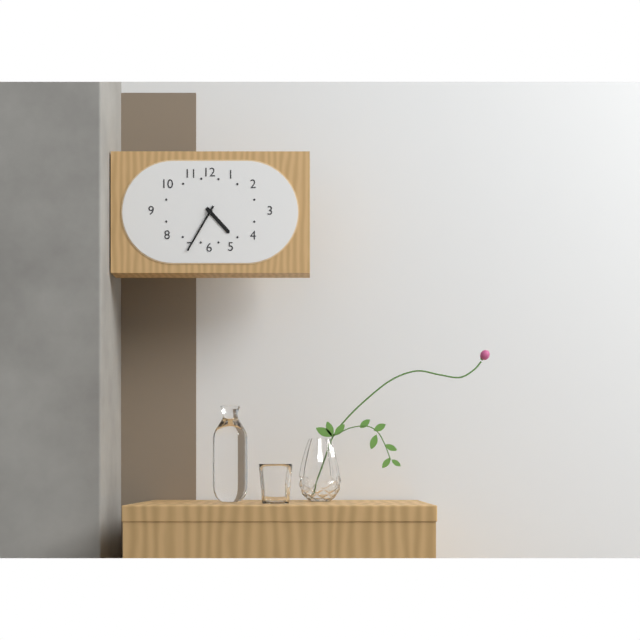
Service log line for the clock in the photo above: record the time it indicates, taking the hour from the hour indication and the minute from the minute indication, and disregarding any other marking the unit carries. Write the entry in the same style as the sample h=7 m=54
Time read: h=4 m=35
